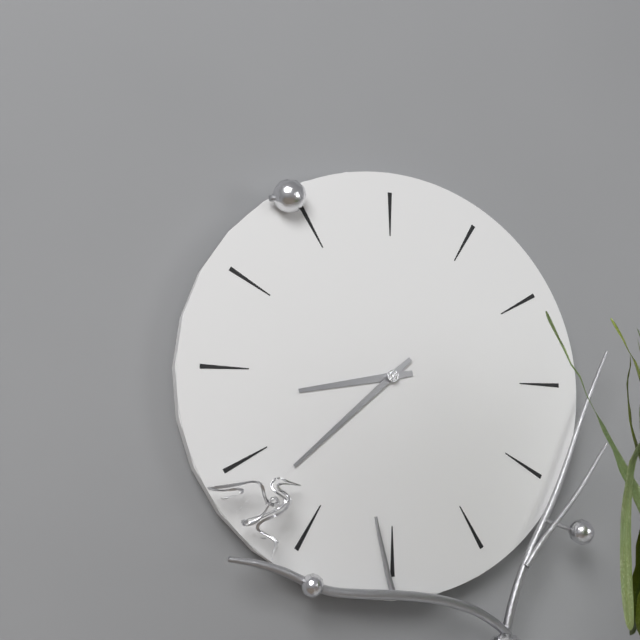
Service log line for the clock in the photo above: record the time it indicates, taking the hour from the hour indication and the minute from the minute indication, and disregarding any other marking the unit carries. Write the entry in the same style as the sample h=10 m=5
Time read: h=8 m=38
